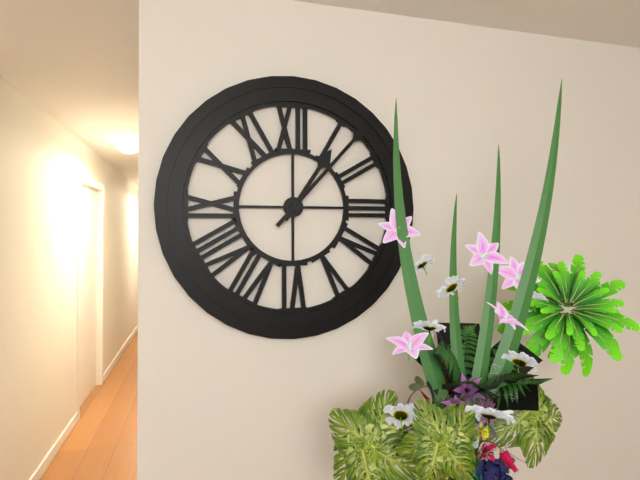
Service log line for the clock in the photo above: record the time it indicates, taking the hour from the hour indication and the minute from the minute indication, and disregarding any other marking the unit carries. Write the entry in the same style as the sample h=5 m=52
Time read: h=1 m=7
